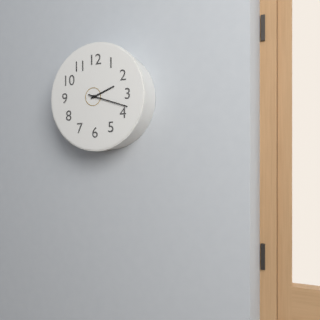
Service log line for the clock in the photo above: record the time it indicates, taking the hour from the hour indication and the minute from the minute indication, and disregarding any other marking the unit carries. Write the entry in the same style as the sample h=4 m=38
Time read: h=2 m=18
